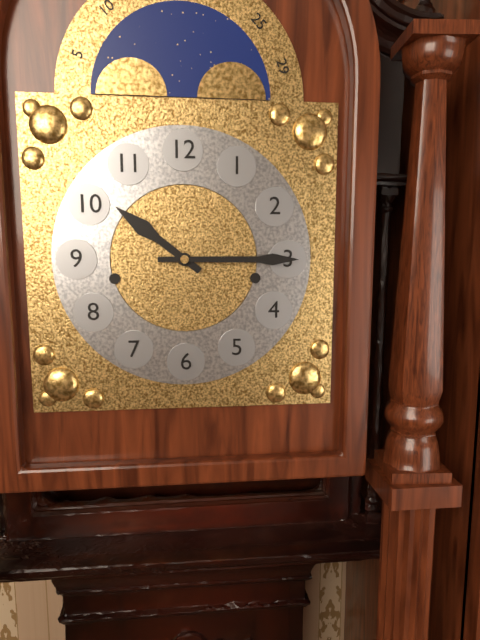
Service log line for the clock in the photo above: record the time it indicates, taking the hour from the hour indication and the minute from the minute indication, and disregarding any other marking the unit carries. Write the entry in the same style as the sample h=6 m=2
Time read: h=10 m=15
